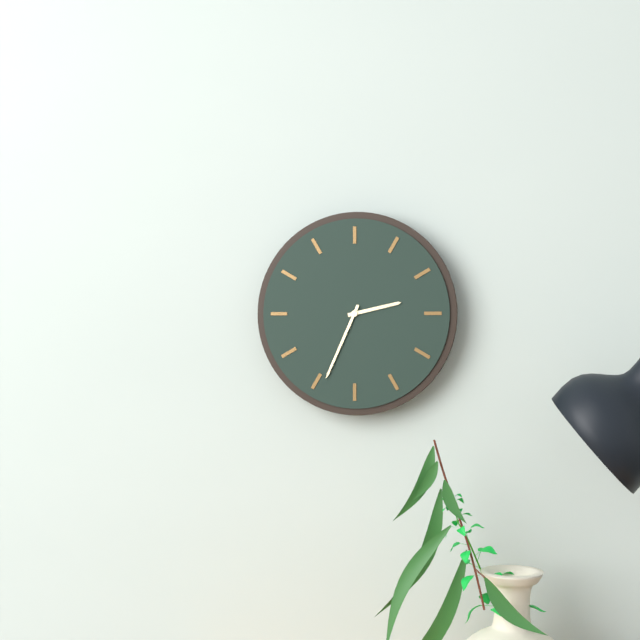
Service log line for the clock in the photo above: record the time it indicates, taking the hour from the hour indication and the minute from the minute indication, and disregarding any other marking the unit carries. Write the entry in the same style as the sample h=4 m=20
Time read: h=2 m=34
